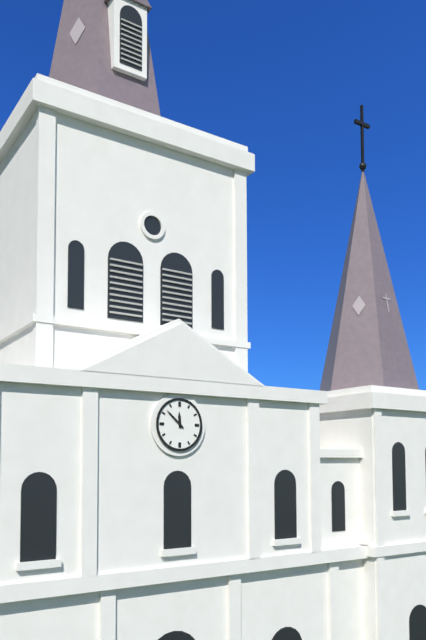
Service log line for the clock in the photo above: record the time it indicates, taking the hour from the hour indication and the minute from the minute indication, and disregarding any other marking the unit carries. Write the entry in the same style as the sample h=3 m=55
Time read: h=11 m=52
